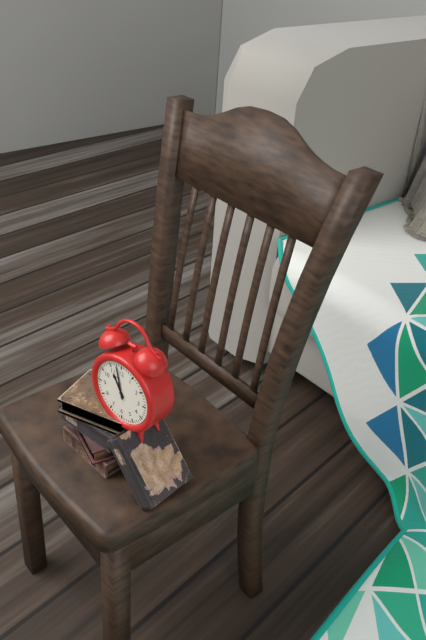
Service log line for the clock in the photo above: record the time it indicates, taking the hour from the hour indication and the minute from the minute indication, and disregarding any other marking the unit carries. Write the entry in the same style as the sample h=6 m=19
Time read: h=10 m=58
